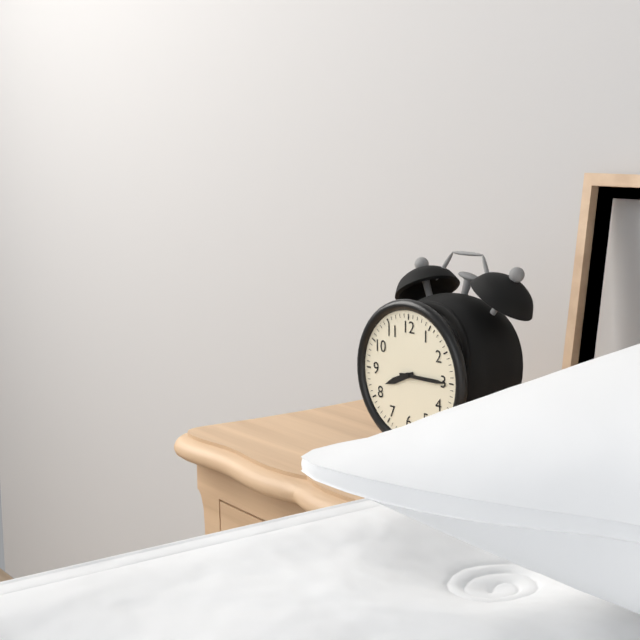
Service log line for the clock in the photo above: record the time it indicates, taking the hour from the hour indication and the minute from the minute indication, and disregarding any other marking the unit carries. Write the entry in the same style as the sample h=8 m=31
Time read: h=8 m=15
